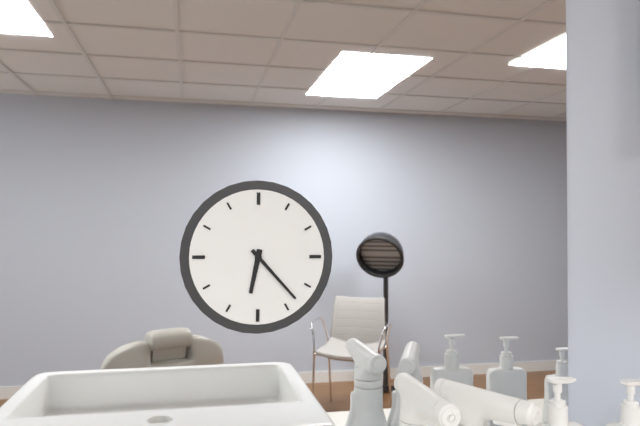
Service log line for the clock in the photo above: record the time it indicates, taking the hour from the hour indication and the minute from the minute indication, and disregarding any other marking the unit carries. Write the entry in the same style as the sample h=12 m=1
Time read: h=6 m=23
